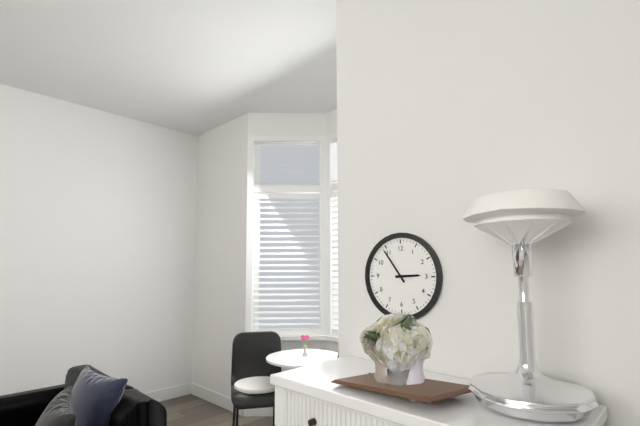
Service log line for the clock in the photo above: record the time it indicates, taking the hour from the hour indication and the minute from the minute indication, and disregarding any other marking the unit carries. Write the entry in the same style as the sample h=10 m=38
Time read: h=2 m=54
